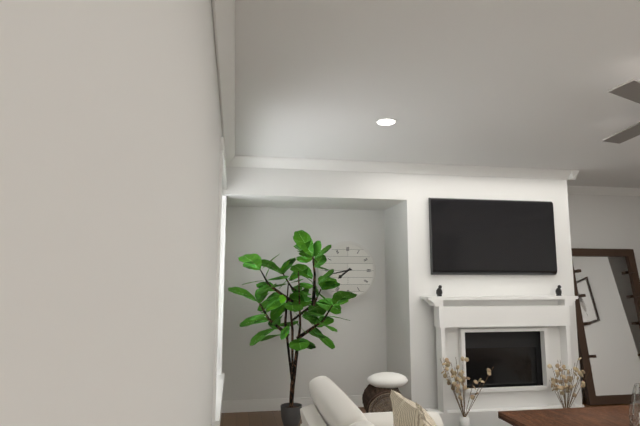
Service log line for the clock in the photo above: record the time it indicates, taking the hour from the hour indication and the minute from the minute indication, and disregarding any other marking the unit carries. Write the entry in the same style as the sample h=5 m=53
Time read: h=7 m=43
